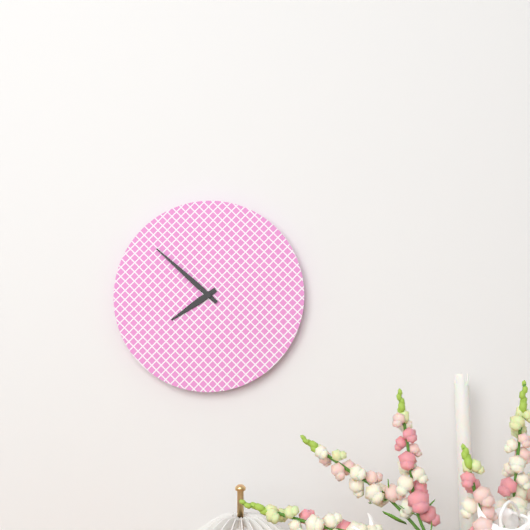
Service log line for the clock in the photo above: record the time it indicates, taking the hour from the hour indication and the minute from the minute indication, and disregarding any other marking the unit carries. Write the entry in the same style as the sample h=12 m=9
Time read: h=7 m=52
